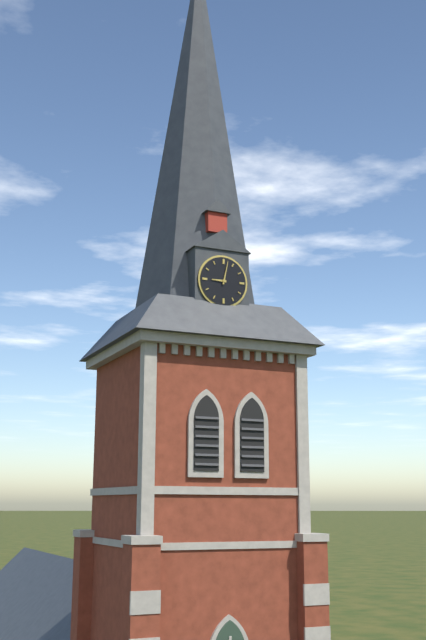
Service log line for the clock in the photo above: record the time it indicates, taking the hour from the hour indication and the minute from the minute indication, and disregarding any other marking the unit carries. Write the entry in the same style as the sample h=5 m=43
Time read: h=9 m=2
